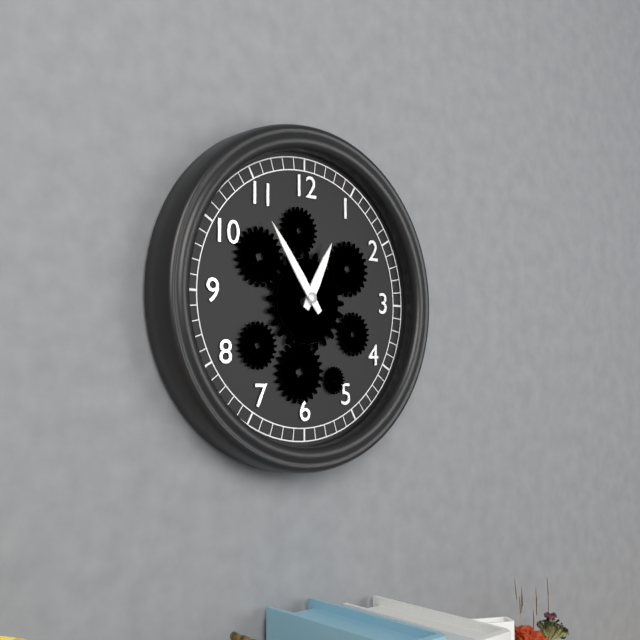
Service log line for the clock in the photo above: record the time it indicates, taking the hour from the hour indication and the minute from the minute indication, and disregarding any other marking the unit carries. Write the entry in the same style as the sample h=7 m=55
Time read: h=12 m=54
